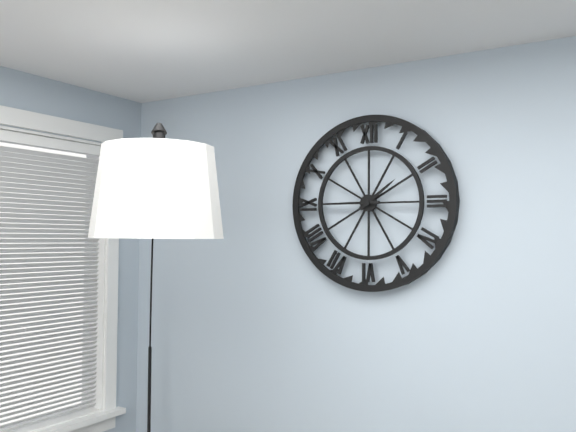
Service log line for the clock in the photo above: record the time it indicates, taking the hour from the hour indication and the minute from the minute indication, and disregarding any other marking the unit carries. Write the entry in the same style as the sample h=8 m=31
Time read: h=1 m=45
